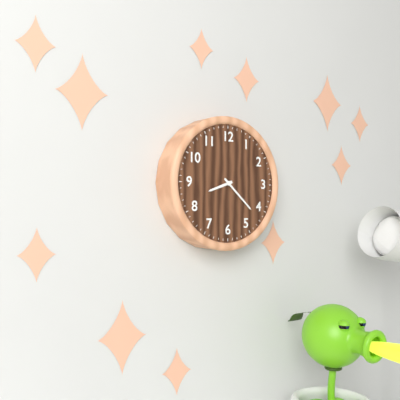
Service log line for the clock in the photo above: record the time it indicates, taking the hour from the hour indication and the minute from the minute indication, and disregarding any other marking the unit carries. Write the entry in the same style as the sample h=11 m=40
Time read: h=8 m=22
